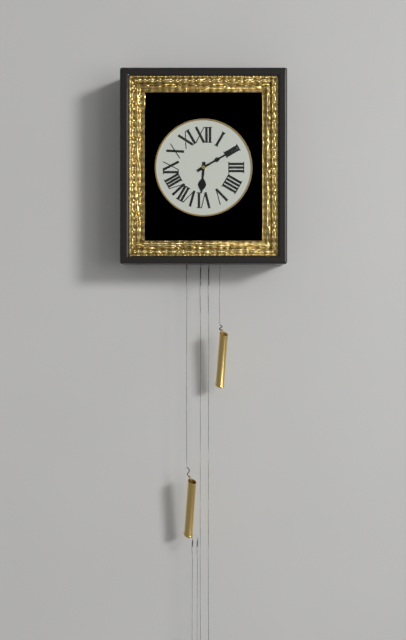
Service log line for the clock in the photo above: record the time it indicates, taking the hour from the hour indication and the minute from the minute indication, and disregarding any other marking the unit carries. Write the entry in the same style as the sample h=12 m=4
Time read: h=6 m=10
